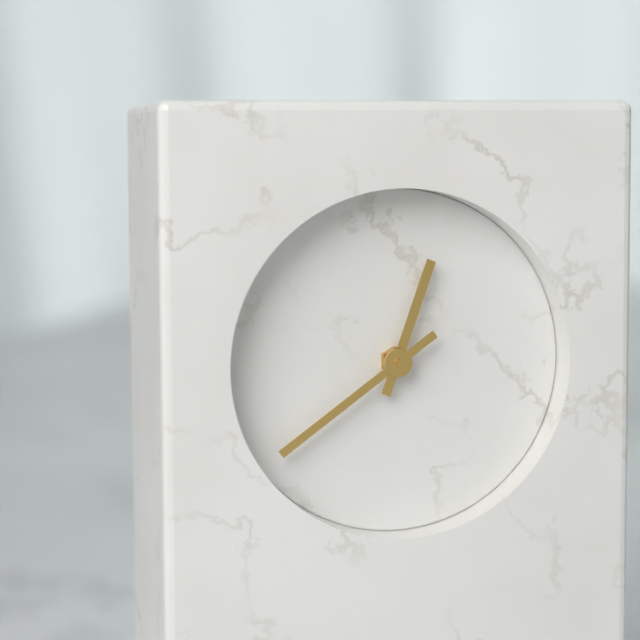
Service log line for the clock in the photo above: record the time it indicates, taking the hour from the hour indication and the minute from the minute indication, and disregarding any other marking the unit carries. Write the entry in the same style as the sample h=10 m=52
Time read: h=12 m=39
